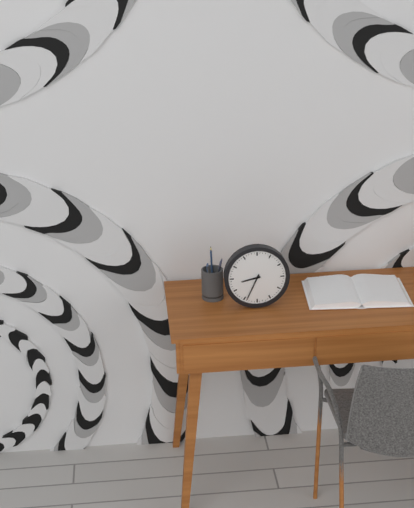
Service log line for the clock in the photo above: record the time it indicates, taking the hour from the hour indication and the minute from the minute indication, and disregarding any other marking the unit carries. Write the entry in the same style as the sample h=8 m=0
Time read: h=8 m=34
